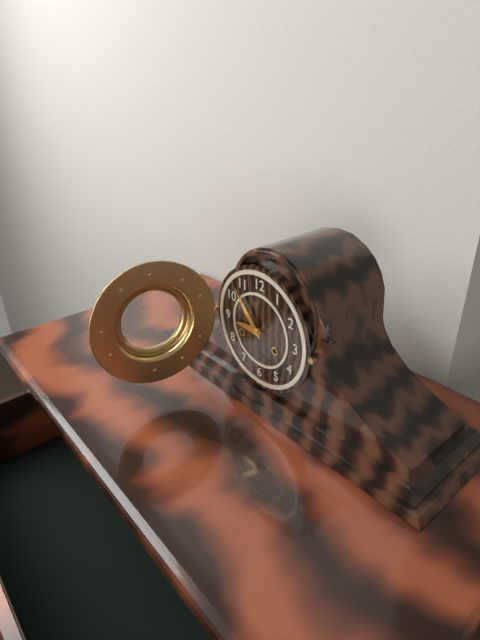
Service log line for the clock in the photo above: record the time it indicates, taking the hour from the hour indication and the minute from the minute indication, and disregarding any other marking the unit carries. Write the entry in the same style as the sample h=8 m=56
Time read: h=8 m=53
